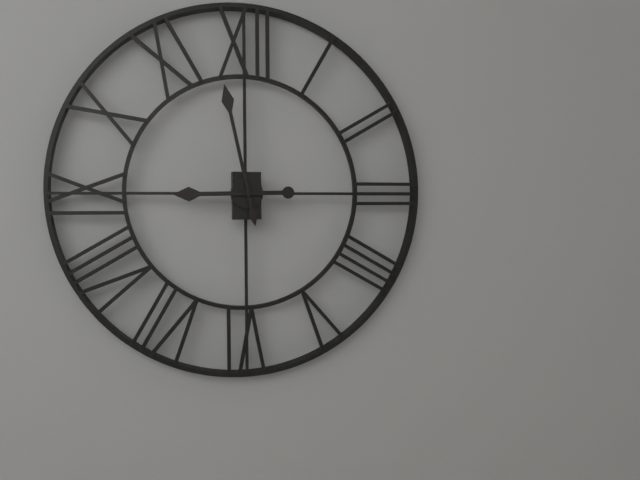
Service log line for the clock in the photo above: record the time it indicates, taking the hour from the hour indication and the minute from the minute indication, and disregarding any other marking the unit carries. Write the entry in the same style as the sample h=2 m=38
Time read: h=8 m=58
